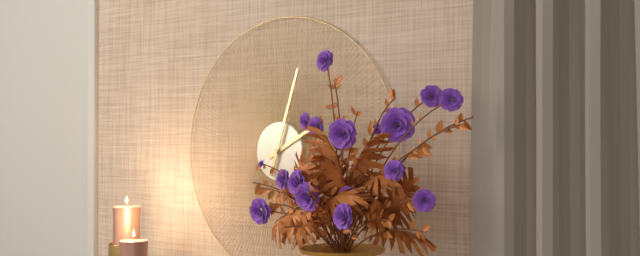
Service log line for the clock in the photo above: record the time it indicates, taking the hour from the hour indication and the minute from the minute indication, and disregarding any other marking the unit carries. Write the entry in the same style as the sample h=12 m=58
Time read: h=2 m=3
